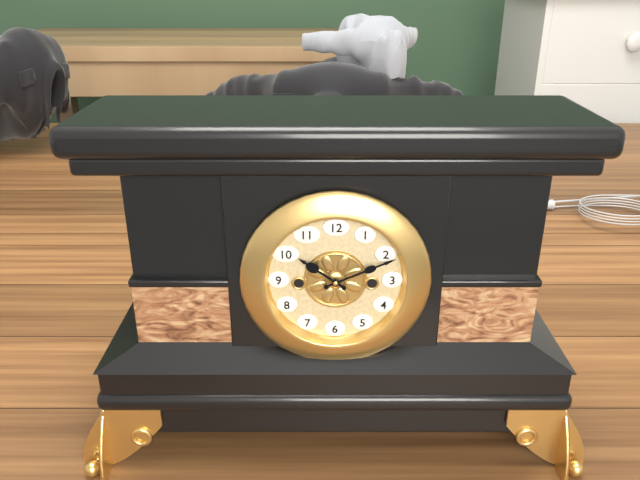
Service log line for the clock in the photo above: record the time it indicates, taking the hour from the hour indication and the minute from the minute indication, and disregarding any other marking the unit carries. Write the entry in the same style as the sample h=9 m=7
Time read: h=10 m=11
